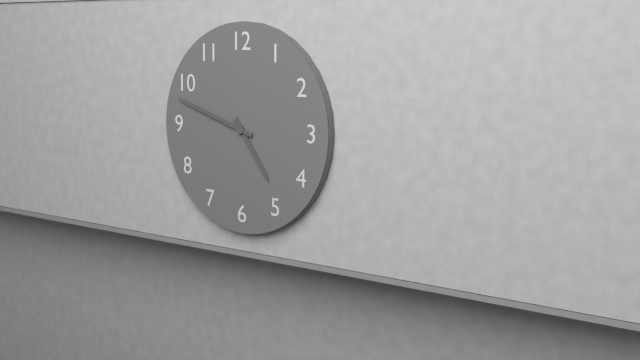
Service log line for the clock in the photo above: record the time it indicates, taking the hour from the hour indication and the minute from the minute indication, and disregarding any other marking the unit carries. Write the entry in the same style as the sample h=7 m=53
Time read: h=4 m=48
